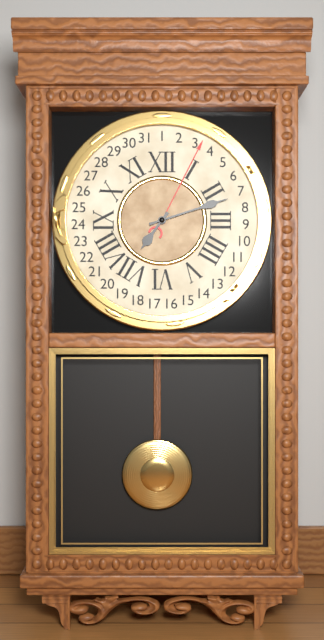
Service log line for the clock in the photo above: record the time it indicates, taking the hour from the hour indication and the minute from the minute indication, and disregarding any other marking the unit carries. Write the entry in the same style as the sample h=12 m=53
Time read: h=7 m=12
